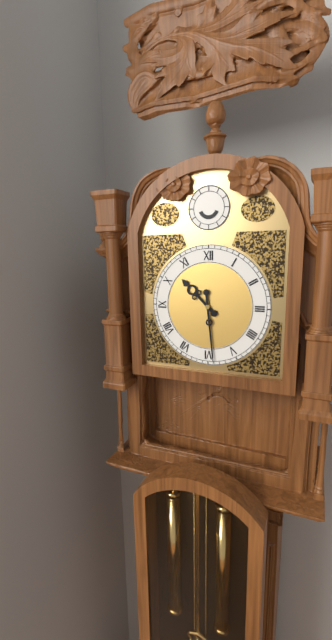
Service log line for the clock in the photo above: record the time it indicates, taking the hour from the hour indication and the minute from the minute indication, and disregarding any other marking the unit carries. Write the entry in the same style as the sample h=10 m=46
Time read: h=10 m=29
